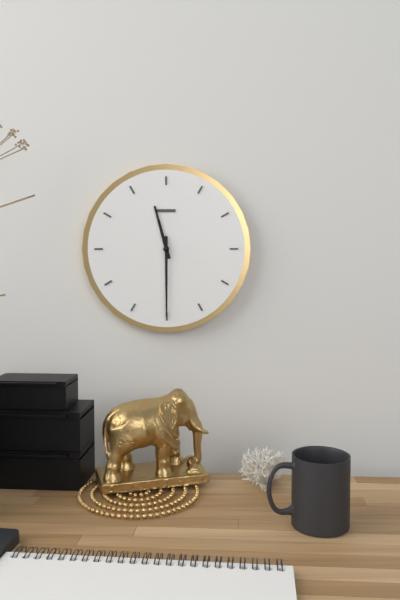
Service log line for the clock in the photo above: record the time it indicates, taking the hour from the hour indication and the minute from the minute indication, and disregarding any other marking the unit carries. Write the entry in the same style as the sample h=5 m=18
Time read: h=11 m=30
